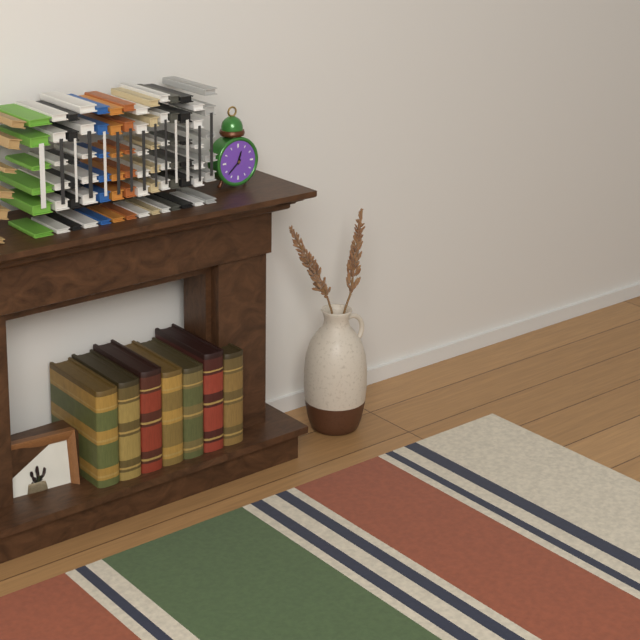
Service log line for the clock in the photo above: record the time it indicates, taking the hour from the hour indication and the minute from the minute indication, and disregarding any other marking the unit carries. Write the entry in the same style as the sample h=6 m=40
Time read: h=12 m=38
